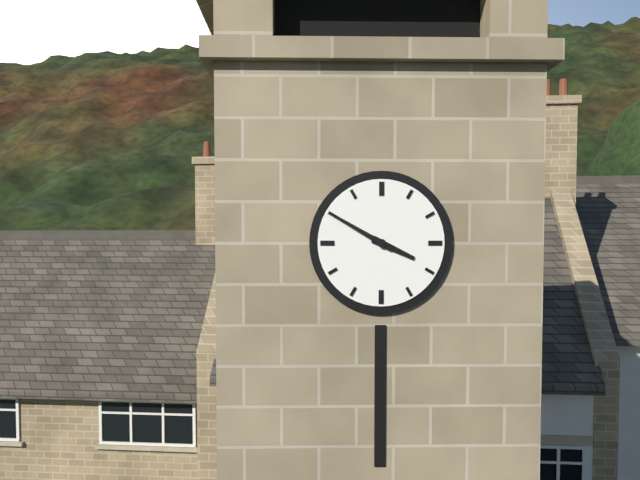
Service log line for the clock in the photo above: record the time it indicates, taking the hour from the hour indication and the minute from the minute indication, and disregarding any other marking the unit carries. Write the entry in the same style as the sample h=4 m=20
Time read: h=3 m=50
